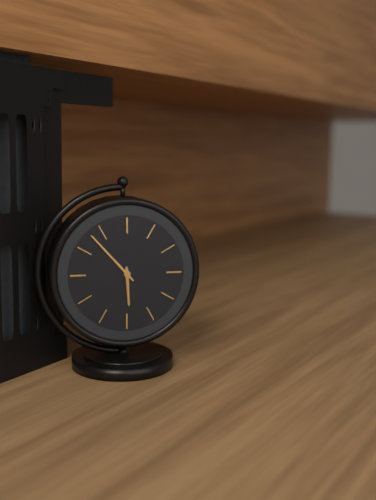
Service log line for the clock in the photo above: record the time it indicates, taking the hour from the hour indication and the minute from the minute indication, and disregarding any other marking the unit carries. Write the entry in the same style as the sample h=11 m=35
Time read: h=5 m=53
